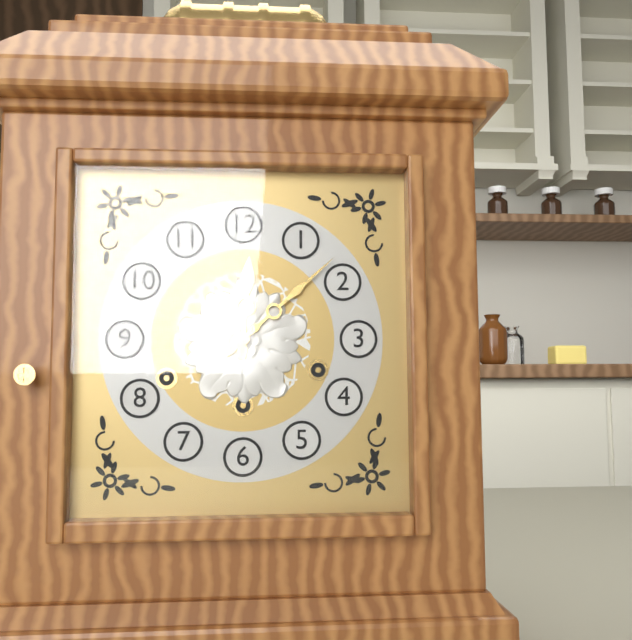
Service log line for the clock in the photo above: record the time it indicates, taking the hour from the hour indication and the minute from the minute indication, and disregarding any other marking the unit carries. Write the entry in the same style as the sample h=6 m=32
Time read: h=12 m=8
